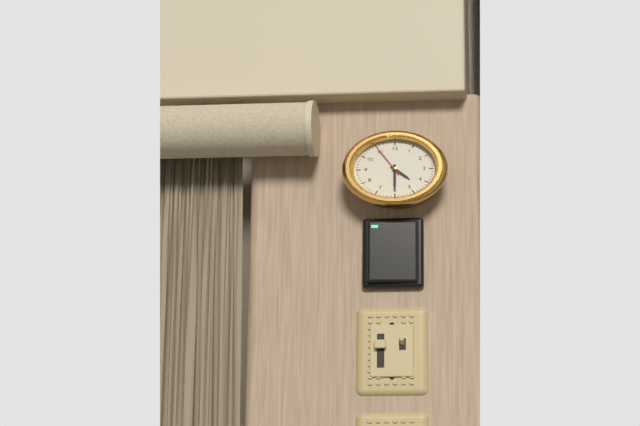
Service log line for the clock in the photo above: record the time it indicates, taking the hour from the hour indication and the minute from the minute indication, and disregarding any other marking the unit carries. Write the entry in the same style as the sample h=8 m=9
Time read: h=4 m=30
